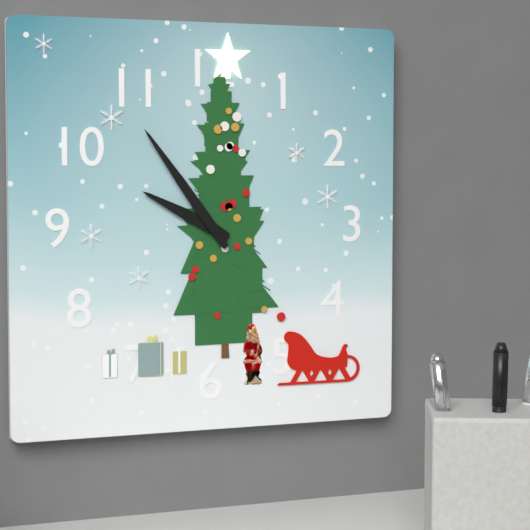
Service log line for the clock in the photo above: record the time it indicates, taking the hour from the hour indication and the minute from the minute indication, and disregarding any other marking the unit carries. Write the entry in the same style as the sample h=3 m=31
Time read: h=9 m=54
